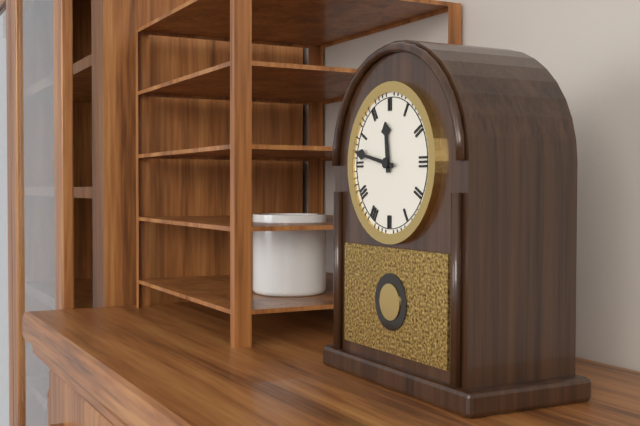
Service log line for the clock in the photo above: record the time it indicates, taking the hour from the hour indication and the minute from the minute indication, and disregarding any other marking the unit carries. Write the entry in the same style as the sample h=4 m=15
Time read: h=11 m=47
